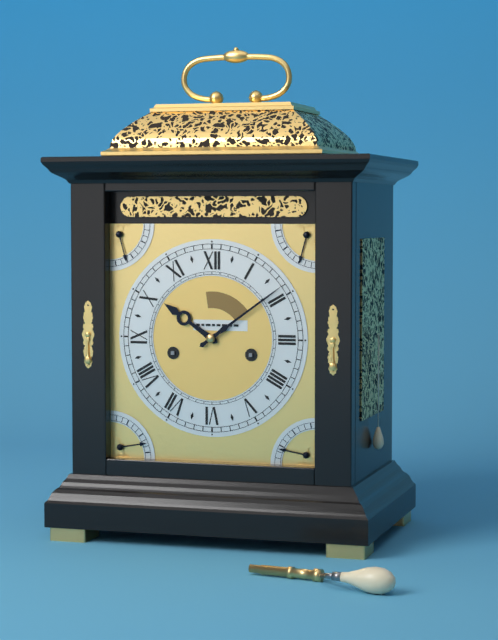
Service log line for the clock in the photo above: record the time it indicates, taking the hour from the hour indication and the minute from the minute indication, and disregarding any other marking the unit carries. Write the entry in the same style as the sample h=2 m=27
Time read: h=10 m=9
